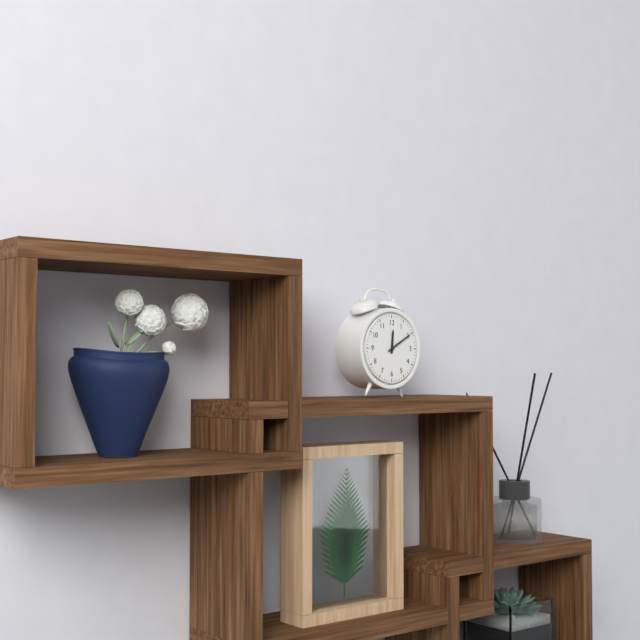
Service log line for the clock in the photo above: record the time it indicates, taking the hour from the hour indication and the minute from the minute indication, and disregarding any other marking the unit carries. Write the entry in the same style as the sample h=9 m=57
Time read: h=12 m=10
